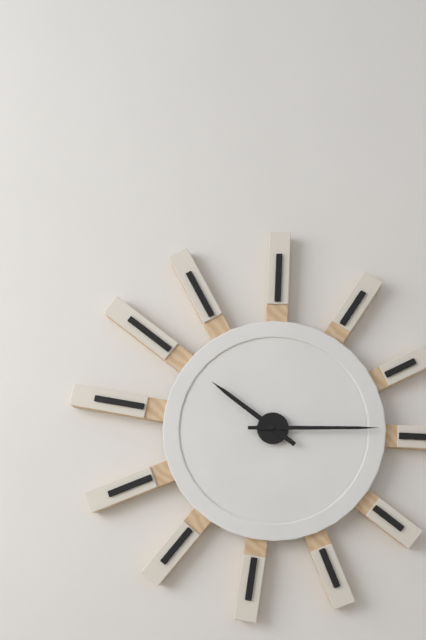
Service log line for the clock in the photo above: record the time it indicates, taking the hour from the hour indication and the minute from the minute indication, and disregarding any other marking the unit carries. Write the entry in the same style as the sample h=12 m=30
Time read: h=10 m=15
